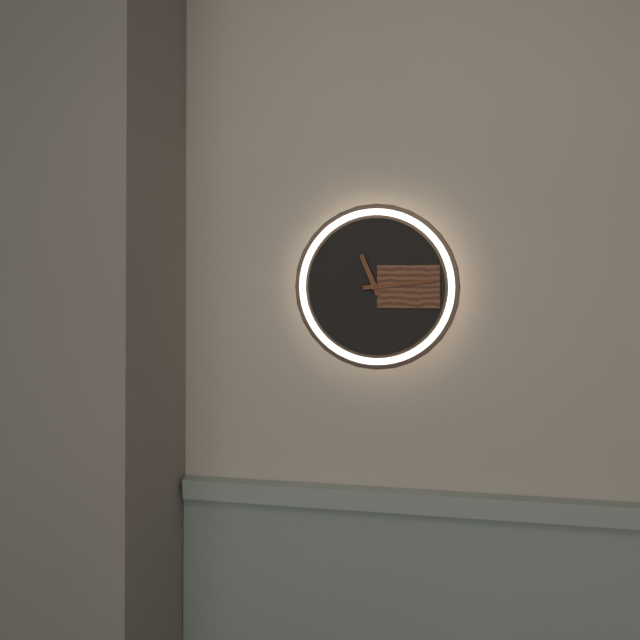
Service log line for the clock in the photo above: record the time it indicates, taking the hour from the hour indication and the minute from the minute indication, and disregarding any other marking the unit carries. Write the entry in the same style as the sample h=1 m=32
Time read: h=11 m=14
